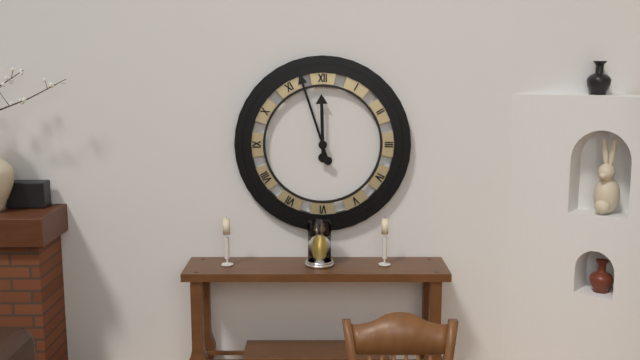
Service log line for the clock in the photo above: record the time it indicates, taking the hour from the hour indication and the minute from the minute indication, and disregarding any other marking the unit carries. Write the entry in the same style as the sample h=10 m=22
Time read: h=11 m=57
